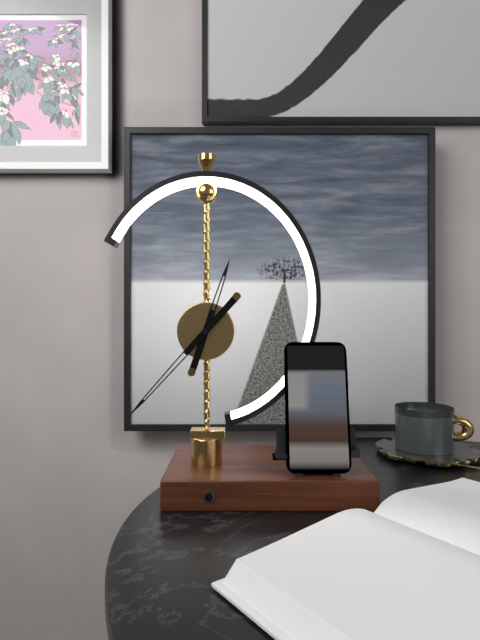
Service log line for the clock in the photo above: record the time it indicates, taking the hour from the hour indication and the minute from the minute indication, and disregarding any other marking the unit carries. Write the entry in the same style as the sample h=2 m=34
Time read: h=12 m=37
